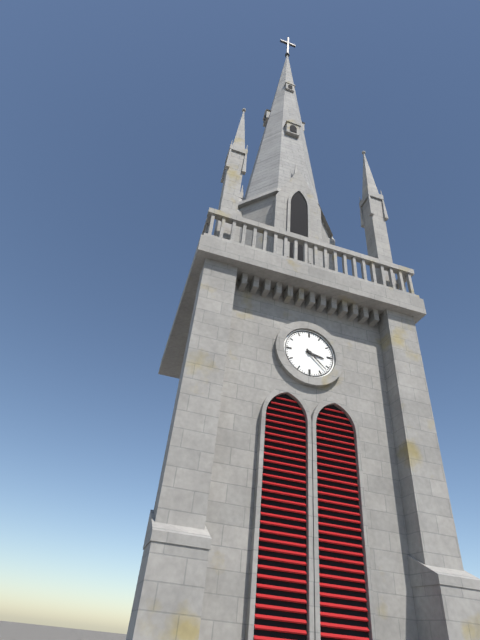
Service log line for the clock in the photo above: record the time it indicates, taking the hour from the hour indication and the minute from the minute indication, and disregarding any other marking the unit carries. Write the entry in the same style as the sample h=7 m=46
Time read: h=3 m=22
